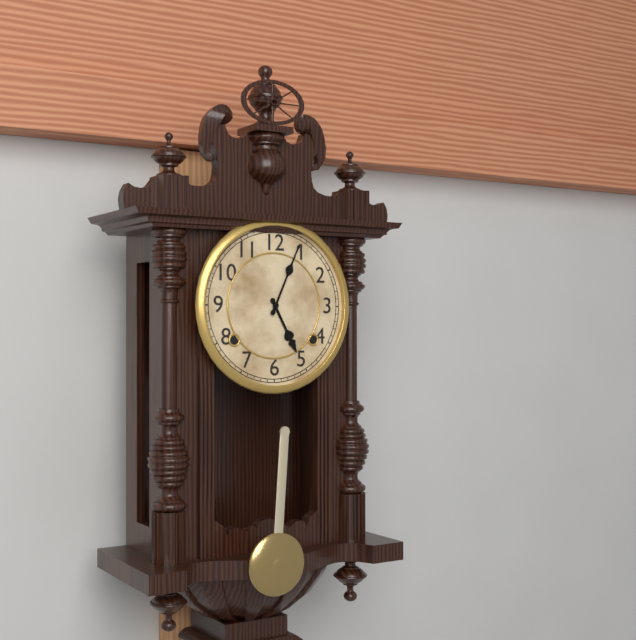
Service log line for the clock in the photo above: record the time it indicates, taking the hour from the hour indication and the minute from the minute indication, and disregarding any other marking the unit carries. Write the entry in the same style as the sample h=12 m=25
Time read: h=5 m=4
